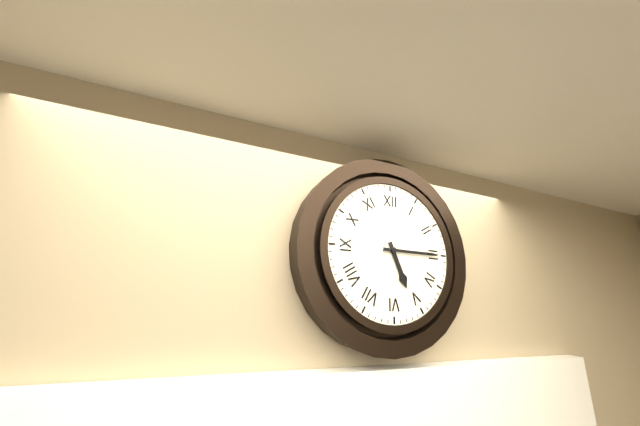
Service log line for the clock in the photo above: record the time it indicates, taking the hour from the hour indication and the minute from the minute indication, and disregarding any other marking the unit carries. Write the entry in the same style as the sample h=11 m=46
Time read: h=5 m=15
